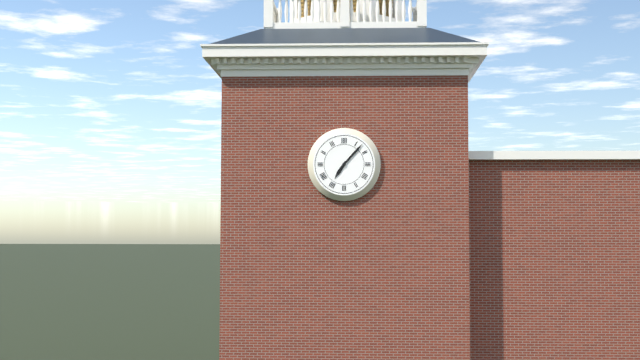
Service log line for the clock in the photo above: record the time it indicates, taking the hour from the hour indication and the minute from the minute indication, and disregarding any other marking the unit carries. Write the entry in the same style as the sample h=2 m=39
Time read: h=7 m=7
